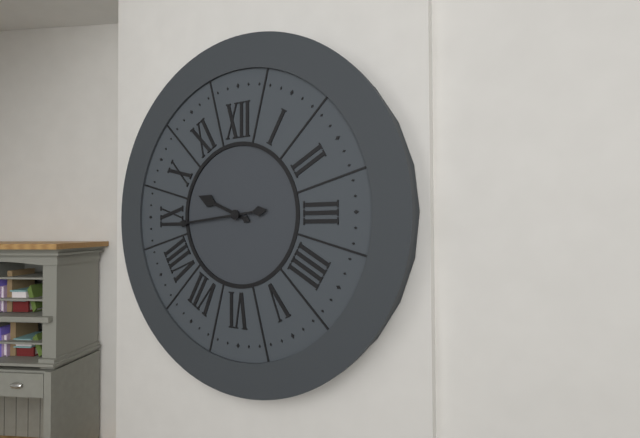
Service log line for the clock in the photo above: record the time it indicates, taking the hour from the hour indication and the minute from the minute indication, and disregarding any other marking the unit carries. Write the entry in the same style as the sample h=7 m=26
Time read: h=9 m=44
